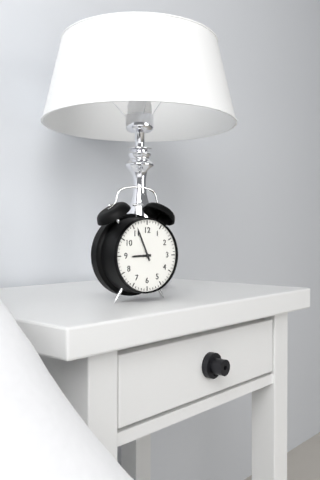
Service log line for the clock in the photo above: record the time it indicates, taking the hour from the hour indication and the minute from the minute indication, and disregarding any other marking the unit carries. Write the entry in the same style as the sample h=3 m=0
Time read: h=8 m=56
